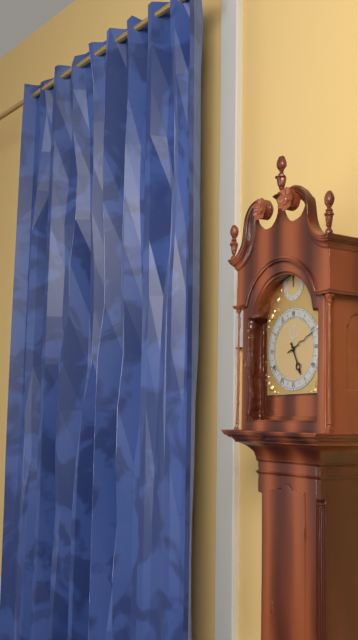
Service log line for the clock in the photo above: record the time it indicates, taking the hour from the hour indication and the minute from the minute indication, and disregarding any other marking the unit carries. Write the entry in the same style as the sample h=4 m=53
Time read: h=5 m=11
